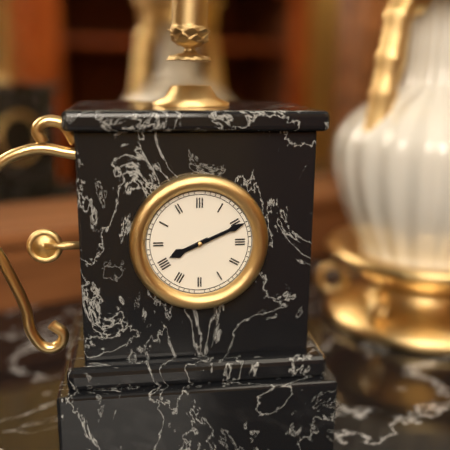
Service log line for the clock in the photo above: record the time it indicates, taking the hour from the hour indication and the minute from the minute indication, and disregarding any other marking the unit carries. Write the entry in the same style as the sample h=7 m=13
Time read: h=8 m=11
